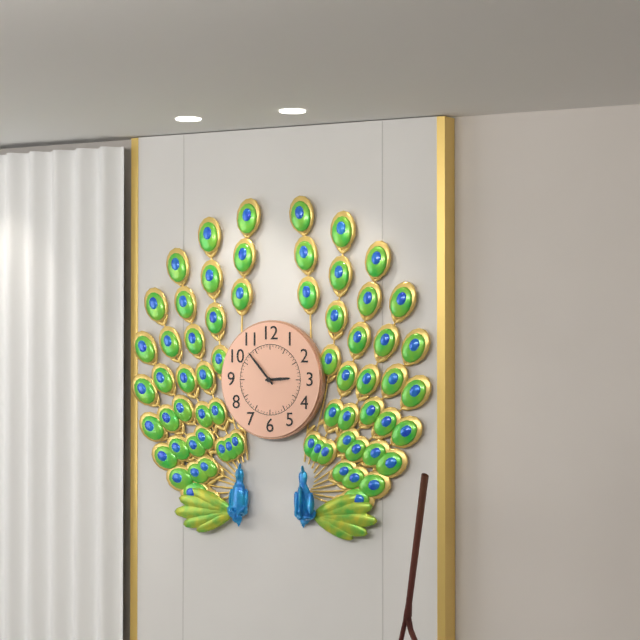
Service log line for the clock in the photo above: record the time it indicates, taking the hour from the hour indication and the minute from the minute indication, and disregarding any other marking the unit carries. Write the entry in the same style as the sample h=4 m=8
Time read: h=2 m=53
